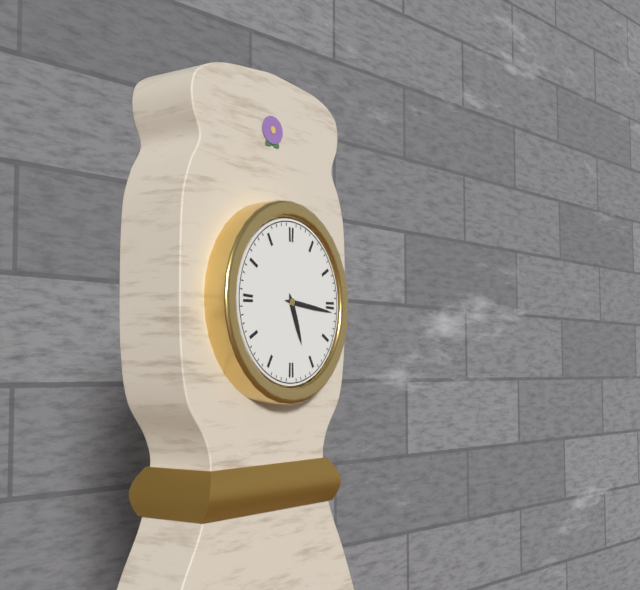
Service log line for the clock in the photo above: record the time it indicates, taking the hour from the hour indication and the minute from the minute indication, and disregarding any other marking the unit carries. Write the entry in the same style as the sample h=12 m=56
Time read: h=5 m=16
